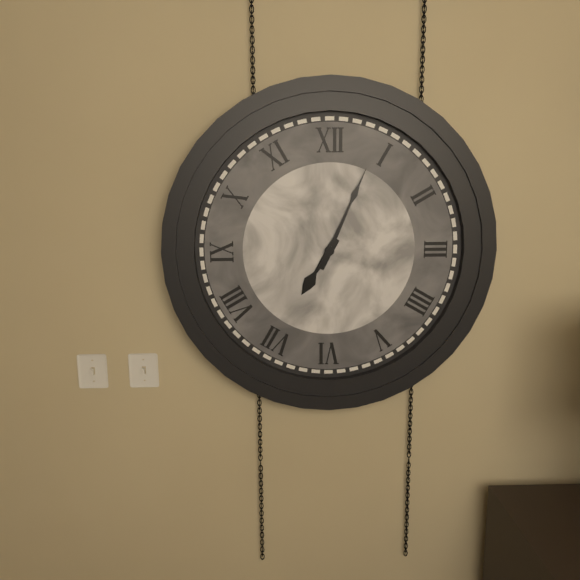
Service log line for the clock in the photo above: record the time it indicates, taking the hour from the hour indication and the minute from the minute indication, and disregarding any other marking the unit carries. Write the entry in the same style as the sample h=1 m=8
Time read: h=7 m=4
